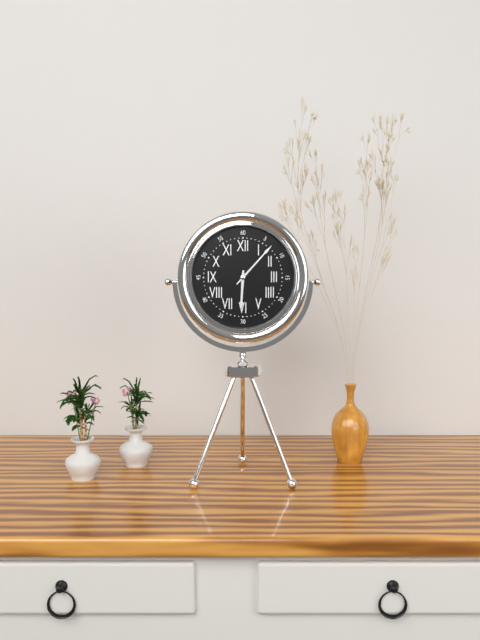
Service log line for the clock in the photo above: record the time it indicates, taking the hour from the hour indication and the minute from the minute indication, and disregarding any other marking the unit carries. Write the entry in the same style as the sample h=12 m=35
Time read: h=6 m=7
